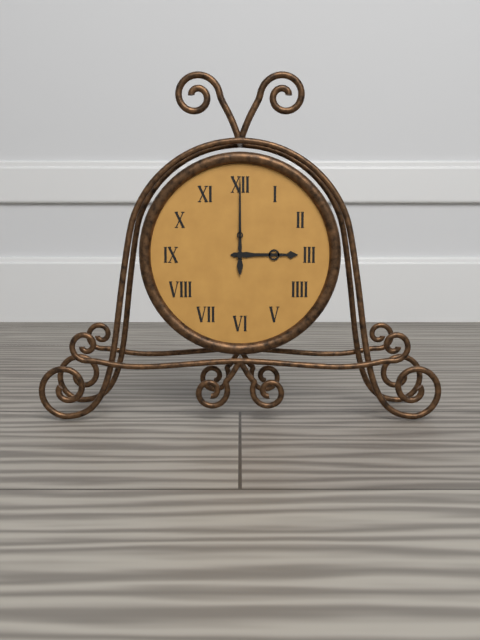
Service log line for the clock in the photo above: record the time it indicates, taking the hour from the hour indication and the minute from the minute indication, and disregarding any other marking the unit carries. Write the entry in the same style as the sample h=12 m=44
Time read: h=3 m=0
